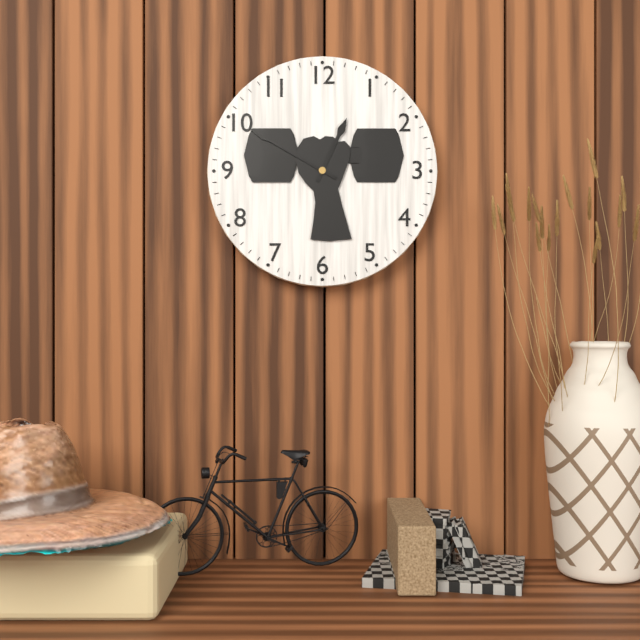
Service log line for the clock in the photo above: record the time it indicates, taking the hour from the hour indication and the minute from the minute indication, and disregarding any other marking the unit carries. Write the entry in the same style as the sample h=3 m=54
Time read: h=12 m=50
